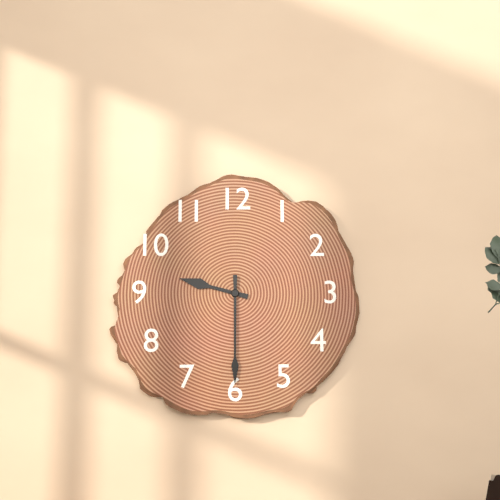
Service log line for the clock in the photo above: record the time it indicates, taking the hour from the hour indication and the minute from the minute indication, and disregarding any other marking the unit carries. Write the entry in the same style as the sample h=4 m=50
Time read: h=9 m=30
